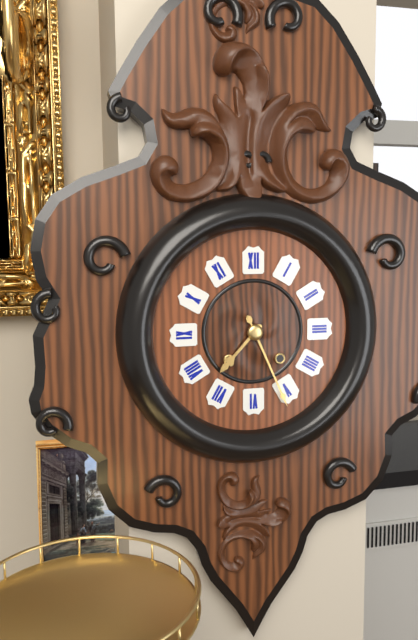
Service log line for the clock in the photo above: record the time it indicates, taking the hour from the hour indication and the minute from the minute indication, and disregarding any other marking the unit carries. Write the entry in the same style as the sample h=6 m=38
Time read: h=7 m=26
